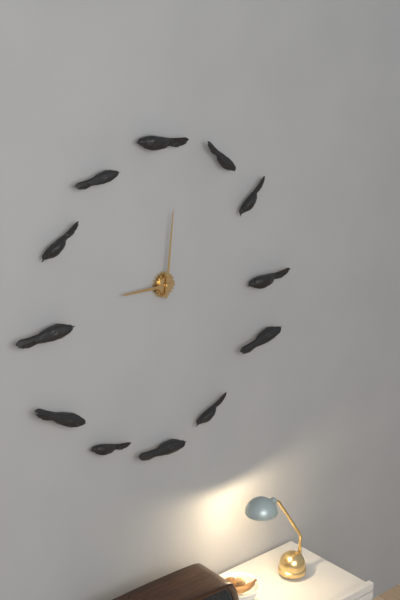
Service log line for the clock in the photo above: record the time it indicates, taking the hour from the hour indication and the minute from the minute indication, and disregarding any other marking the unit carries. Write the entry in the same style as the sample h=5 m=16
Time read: h=9 m=1
